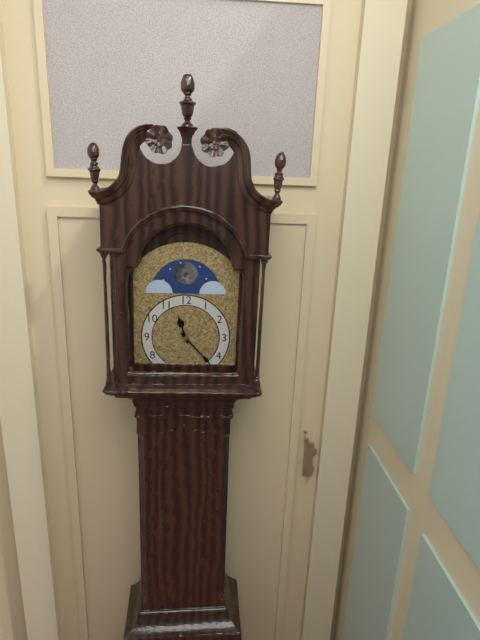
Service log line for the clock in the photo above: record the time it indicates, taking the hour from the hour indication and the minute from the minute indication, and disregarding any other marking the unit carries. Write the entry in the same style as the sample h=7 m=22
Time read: h=11 m=23
